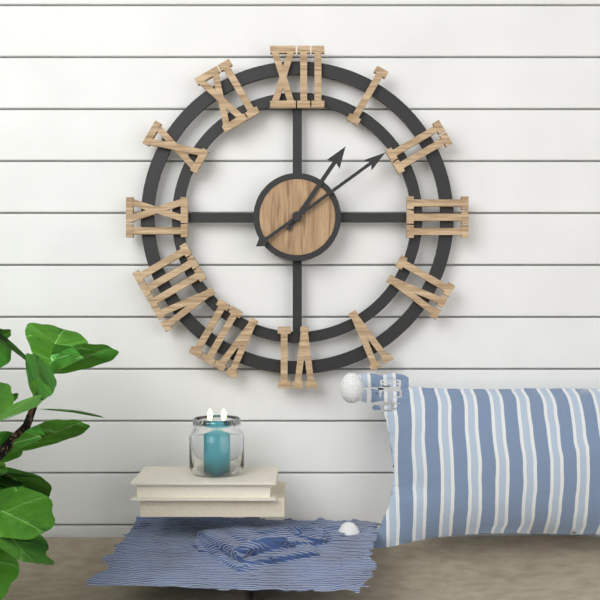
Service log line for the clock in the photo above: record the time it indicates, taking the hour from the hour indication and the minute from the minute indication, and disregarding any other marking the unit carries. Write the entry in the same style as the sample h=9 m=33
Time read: h=1 m=9
